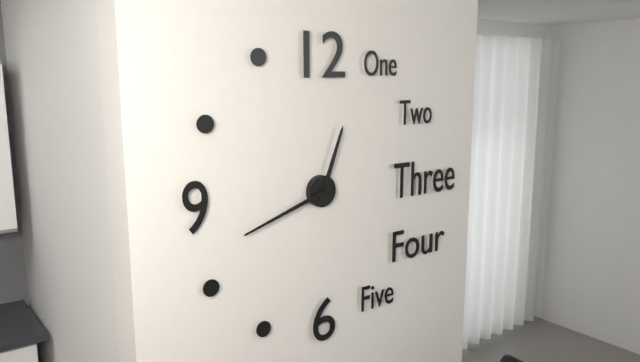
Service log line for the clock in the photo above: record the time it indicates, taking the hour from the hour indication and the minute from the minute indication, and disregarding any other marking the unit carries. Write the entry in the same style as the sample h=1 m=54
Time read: h=12 m=42
